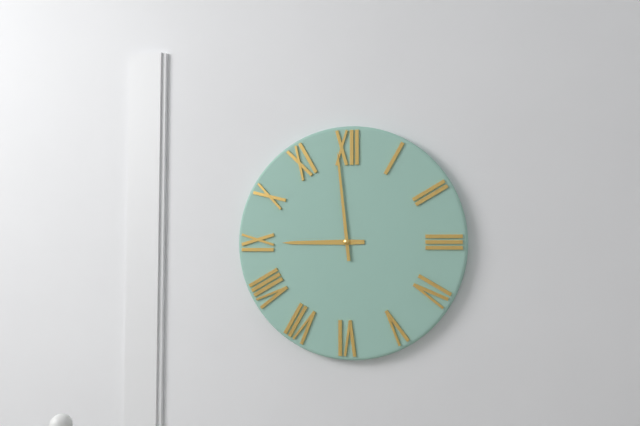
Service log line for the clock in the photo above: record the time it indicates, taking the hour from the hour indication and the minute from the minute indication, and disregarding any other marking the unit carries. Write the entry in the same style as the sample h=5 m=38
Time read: h=8 m=59
